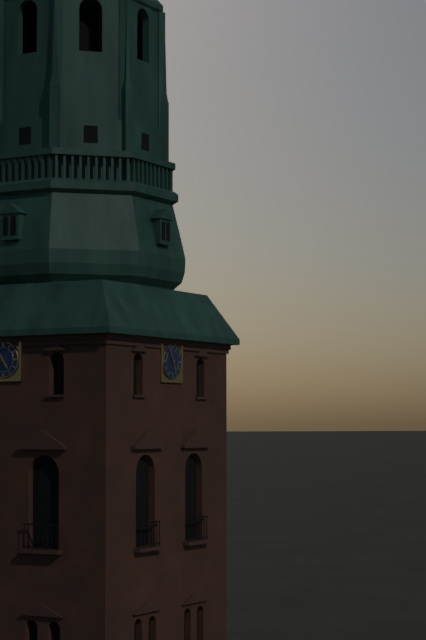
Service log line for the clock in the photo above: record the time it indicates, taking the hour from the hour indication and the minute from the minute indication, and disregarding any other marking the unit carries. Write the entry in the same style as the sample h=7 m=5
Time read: h=4 m=55
